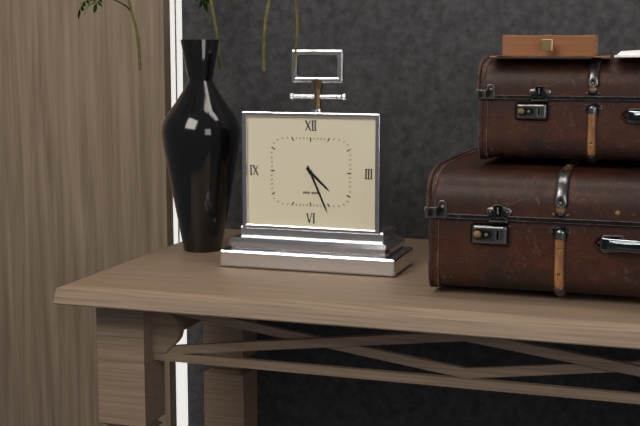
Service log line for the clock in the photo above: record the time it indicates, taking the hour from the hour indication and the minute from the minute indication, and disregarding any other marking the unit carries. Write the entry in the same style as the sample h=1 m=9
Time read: h=4 m=26
